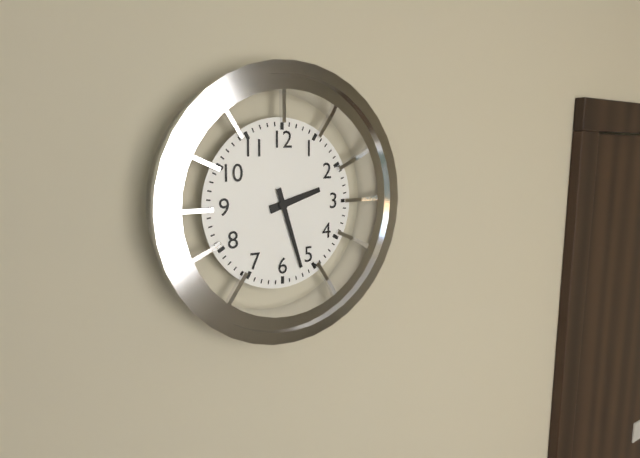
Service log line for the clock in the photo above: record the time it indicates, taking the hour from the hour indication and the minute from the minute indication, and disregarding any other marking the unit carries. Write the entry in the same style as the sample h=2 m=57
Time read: h=2 m=27
